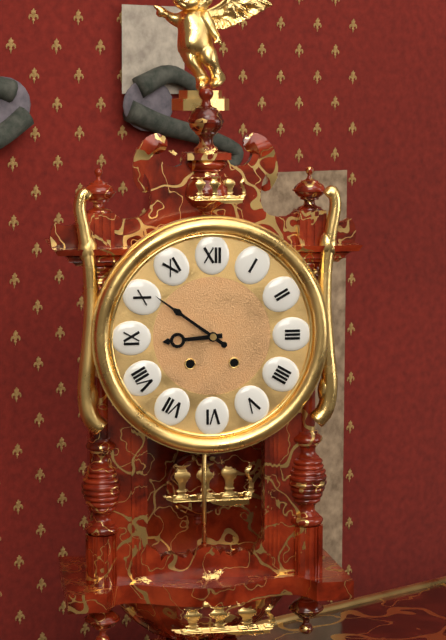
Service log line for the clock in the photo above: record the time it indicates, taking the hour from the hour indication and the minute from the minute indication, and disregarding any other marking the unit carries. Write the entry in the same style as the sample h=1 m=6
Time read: h=8 m=51
